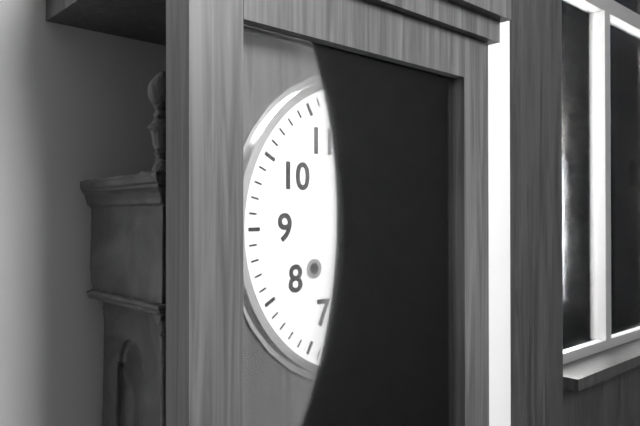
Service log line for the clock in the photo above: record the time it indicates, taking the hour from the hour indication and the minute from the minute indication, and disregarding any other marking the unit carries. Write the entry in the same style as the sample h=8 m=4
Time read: h=12 m=0
